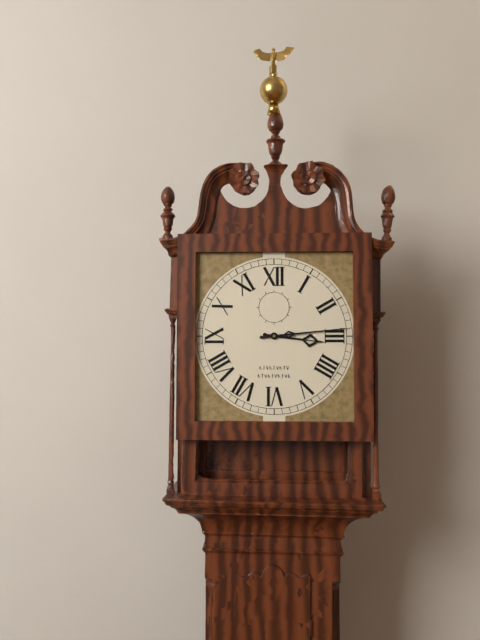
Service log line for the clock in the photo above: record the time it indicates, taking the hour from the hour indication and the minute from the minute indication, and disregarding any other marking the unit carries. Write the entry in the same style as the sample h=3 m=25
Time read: h=3 m=14
